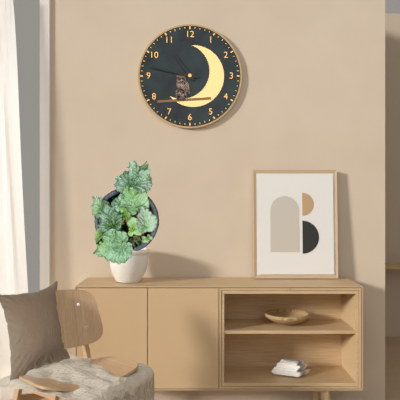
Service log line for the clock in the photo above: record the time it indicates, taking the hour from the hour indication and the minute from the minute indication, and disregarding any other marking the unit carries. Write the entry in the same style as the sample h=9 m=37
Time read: h=10 m=47
